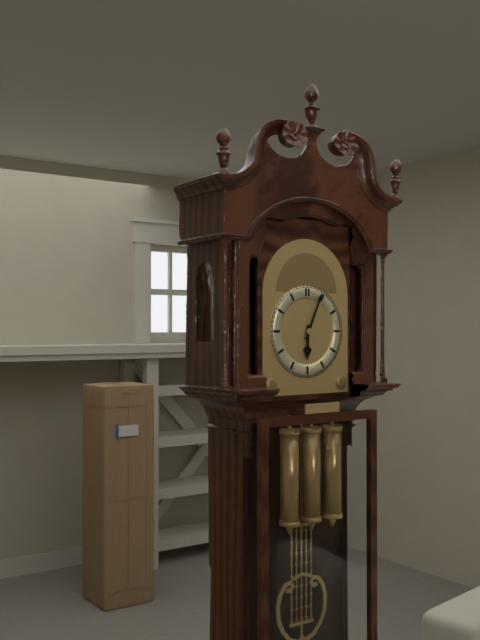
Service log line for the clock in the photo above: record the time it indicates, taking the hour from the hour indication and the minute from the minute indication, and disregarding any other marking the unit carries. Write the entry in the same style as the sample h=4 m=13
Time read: h=6 m=4
